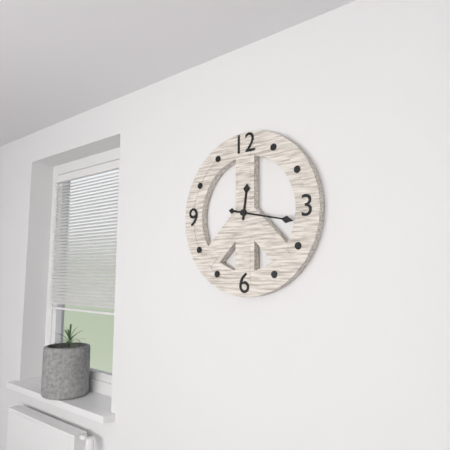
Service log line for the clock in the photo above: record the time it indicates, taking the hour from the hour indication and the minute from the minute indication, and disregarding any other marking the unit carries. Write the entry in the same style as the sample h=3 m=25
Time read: h=12 m=17
